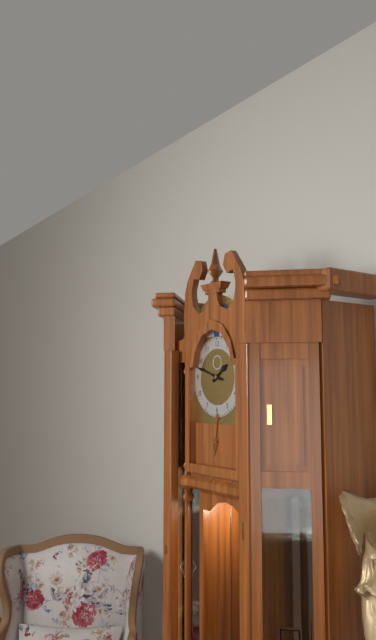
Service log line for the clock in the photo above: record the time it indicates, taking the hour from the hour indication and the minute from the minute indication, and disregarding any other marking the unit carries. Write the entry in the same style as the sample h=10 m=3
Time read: h=1 m=48
